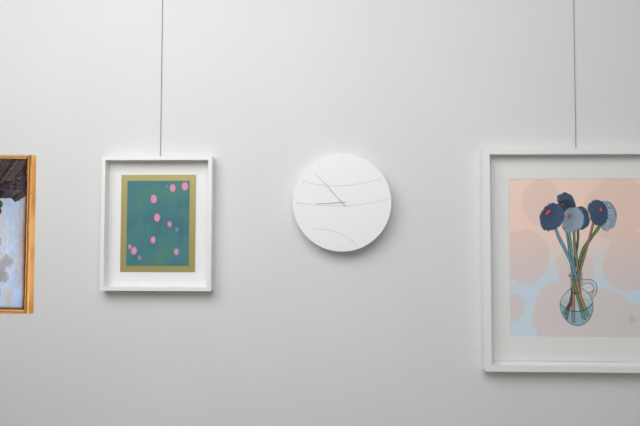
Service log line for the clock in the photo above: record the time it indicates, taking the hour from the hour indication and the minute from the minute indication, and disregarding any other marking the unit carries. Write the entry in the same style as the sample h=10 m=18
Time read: h=8 m=53
